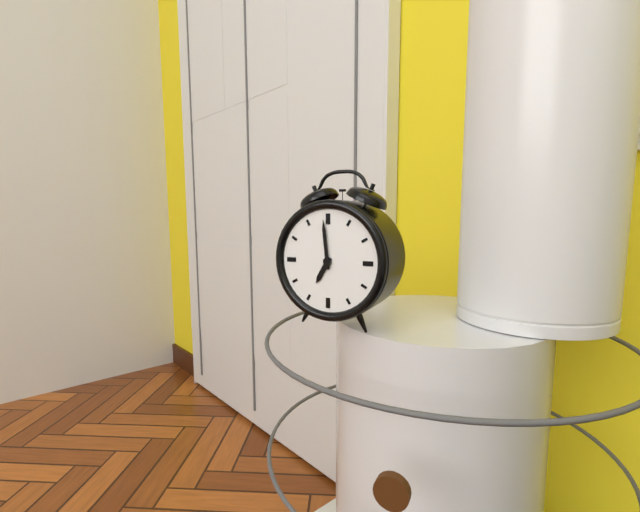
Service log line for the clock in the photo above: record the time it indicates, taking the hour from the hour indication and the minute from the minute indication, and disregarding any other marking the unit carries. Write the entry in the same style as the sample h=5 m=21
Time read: h=6 m=59
